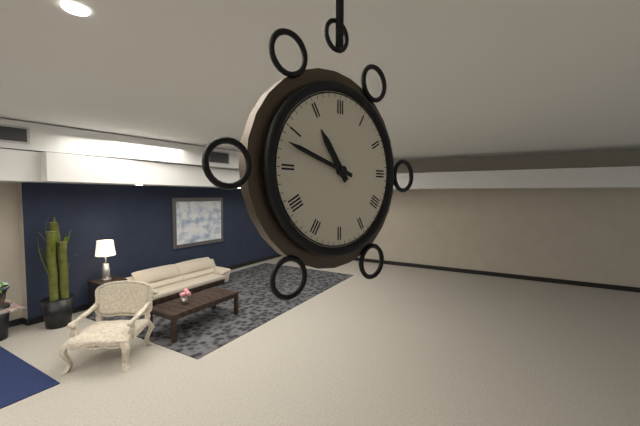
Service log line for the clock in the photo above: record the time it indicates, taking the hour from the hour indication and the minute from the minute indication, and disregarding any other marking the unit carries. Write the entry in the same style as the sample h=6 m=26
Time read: h=10 m=48
